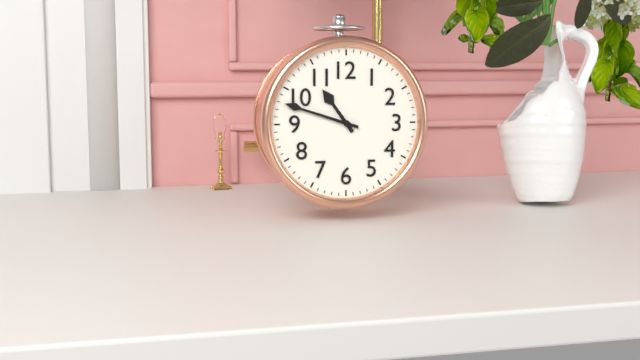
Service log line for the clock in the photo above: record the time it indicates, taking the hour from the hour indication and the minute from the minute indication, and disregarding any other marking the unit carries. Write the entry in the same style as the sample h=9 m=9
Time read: h=10 m=48
